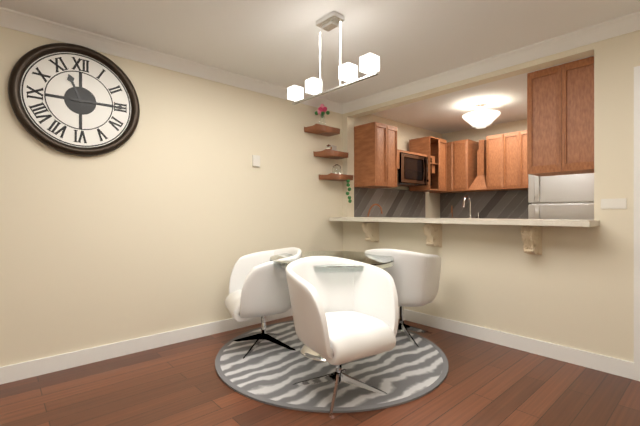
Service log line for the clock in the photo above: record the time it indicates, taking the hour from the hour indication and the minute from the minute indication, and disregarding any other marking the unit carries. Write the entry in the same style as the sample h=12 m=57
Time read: h=11 m=15
